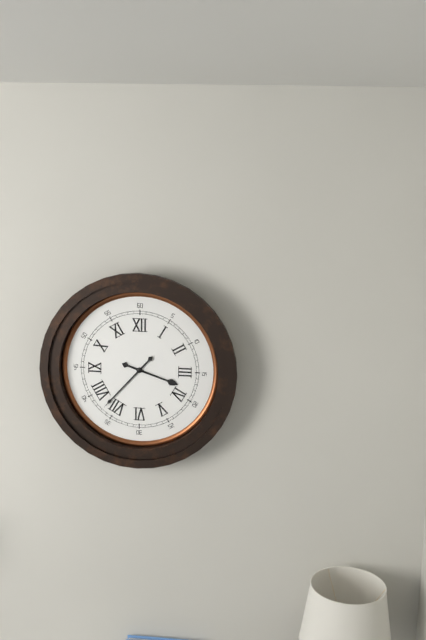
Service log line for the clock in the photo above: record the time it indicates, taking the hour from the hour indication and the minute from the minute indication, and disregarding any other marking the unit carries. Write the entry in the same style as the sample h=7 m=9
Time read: h=3 m=37
